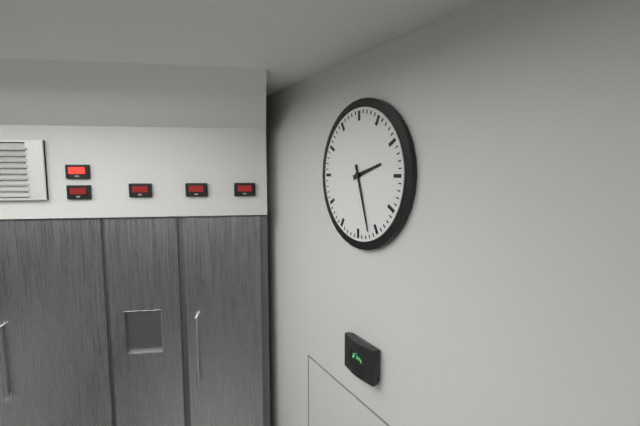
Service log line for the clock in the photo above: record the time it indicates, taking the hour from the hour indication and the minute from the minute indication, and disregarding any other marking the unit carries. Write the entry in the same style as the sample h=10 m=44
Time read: h=2 m=27
